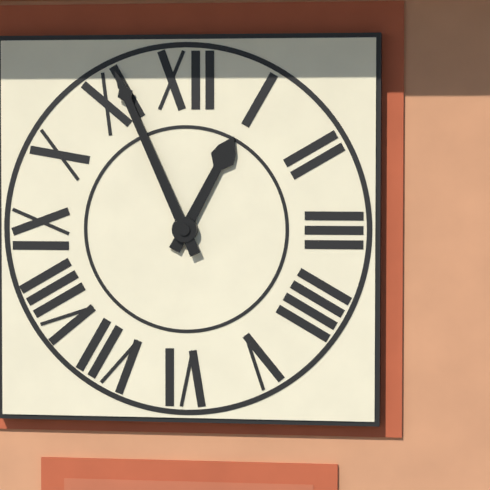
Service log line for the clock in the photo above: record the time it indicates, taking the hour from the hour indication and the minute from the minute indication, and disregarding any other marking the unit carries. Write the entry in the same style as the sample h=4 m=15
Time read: h=12 m=56
